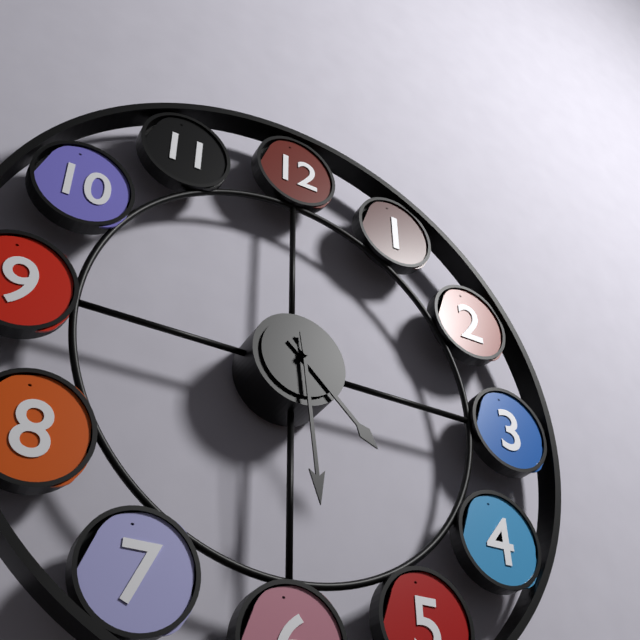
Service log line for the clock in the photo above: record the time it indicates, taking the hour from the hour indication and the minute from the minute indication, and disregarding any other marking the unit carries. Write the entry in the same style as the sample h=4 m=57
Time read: h=4 m=29
